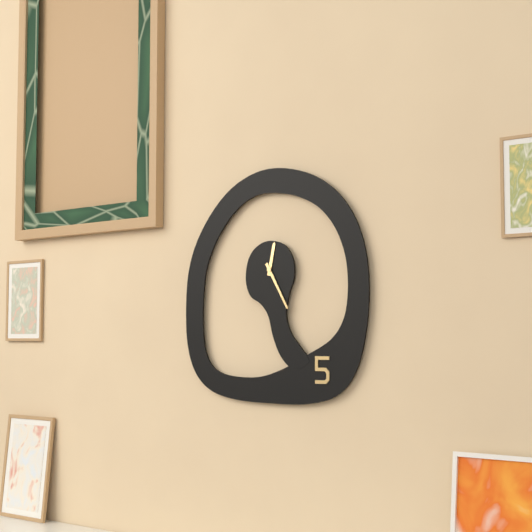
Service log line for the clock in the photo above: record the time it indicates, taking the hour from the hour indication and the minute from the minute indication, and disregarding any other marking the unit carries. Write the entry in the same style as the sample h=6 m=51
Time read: h=12 m=25
